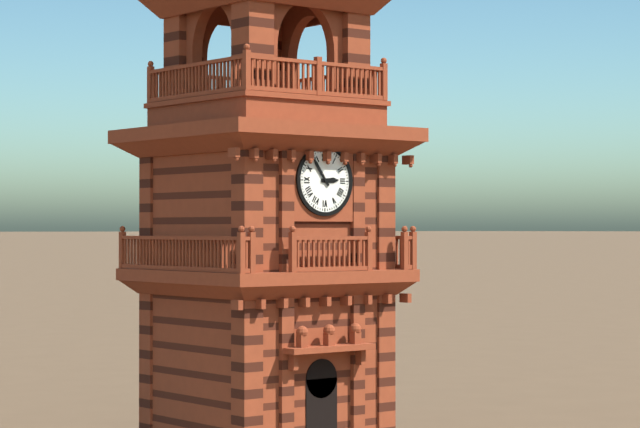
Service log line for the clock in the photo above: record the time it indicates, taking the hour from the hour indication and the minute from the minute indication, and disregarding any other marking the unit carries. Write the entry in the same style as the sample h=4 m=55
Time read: h=2 m=54
